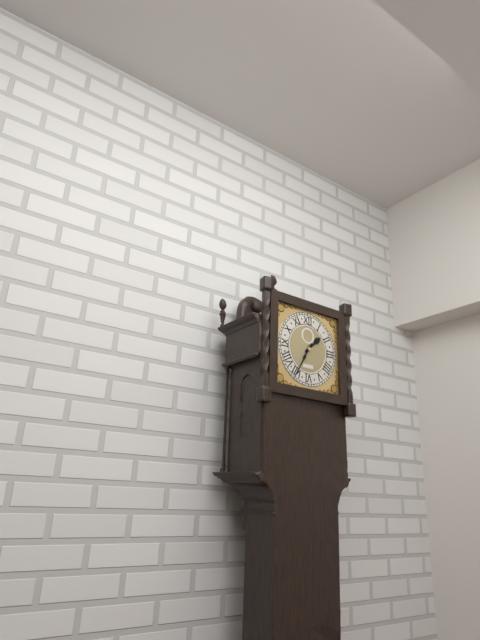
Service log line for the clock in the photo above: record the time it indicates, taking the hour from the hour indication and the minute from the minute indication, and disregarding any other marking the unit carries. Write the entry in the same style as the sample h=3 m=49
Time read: h=1 m=35
